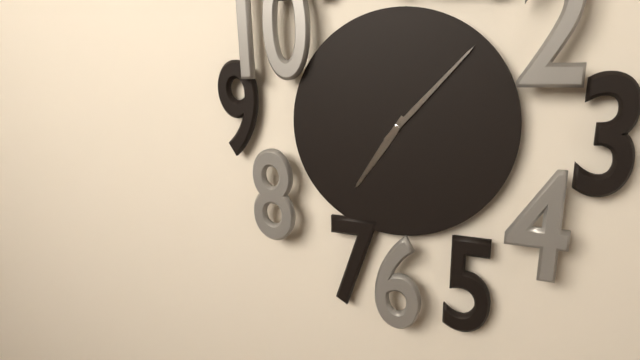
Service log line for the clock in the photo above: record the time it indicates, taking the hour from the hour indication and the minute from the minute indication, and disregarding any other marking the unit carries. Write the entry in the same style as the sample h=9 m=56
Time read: h=7 m=7
